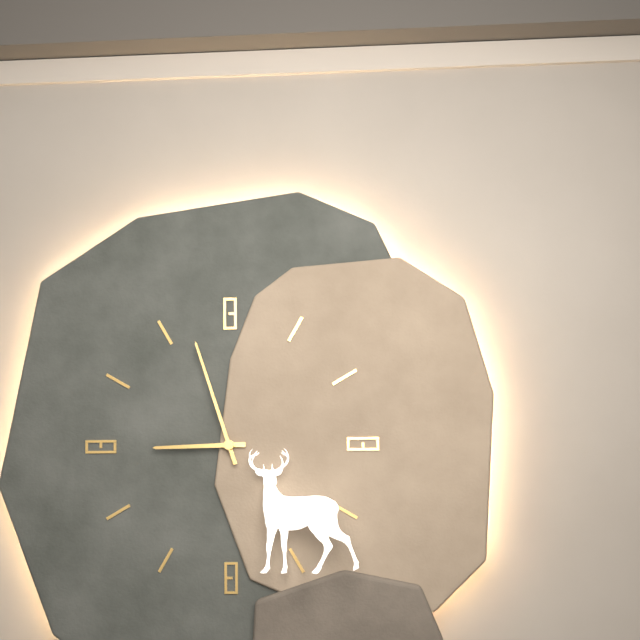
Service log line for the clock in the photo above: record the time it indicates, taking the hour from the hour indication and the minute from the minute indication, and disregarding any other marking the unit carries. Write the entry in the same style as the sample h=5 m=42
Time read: h=8 m=57
